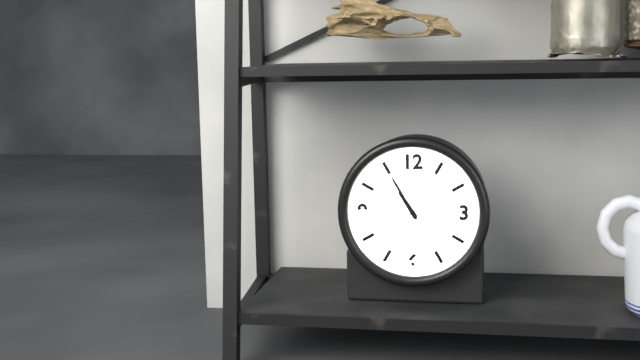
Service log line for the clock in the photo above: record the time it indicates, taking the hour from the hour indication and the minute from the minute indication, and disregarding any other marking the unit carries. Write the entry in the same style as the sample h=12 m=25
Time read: h=10 m=55
